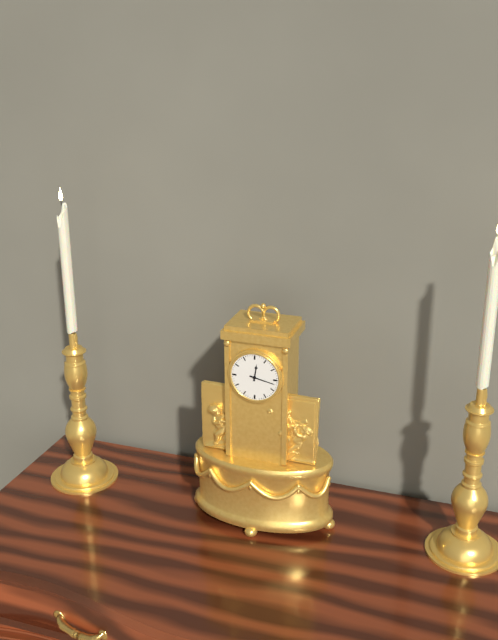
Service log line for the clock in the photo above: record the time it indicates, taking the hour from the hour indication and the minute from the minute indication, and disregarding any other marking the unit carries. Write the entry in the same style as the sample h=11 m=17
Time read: h=12 m=17
